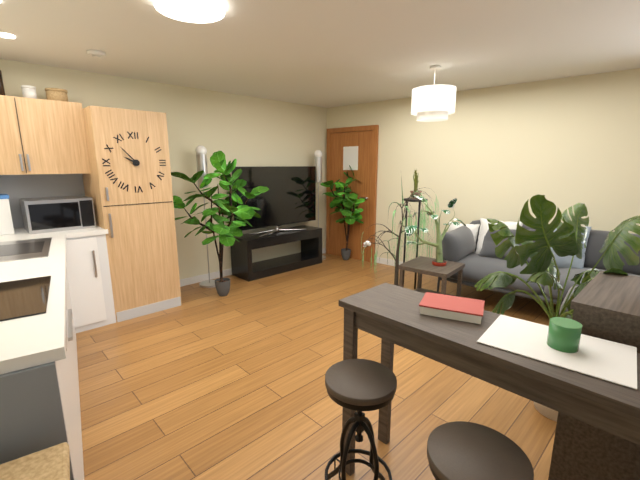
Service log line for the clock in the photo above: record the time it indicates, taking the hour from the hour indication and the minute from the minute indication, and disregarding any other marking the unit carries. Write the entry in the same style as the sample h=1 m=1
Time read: h=9 m=53
